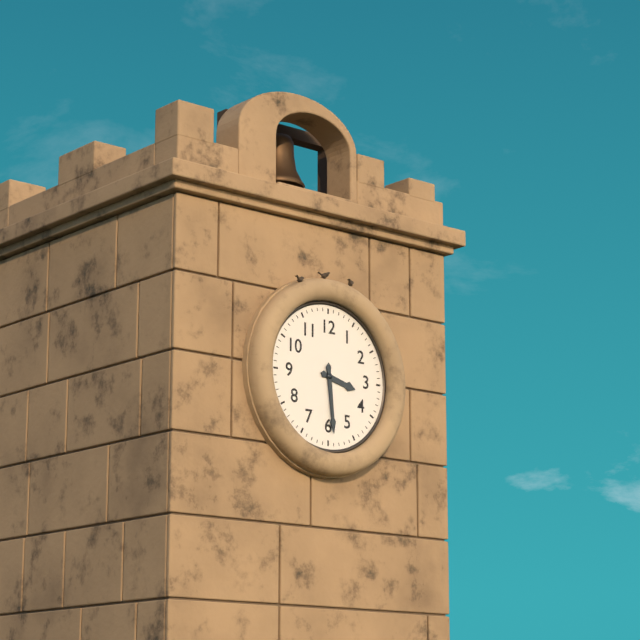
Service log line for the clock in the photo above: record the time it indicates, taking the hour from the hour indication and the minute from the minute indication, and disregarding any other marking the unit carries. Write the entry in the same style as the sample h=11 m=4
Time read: h=3 m=29
